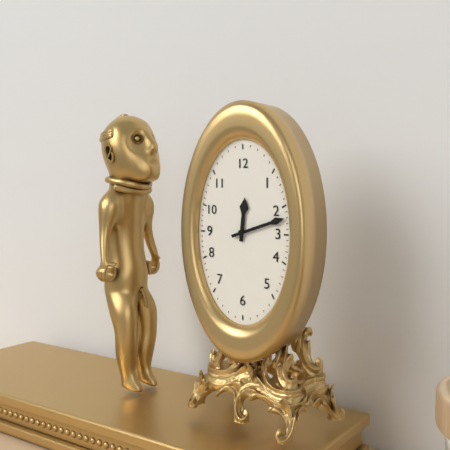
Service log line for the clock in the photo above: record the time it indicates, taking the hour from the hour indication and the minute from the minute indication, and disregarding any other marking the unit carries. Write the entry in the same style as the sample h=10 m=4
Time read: h=12 m=12
